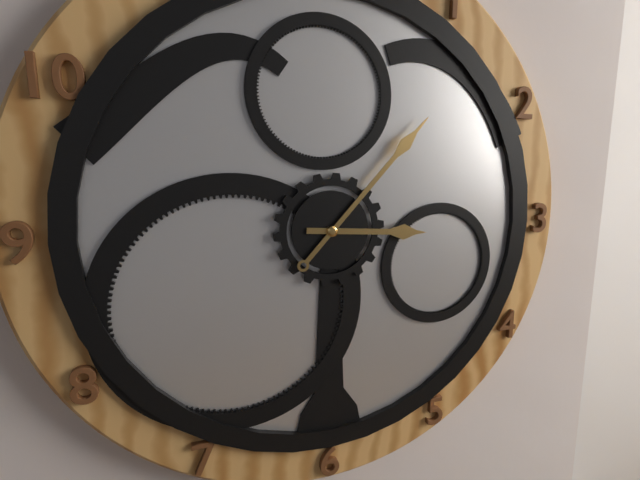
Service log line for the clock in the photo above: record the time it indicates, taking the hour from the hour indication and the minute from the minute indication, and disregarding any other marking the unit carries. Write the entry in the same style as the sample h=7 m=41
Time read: h=3 m=7
